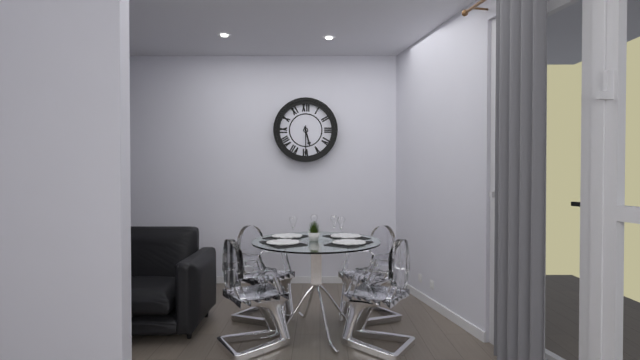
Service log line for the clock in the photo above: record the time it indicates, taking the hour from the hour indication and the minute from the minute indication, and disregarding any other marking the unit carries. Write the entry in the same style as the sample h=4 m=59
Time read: h=5 m=30
